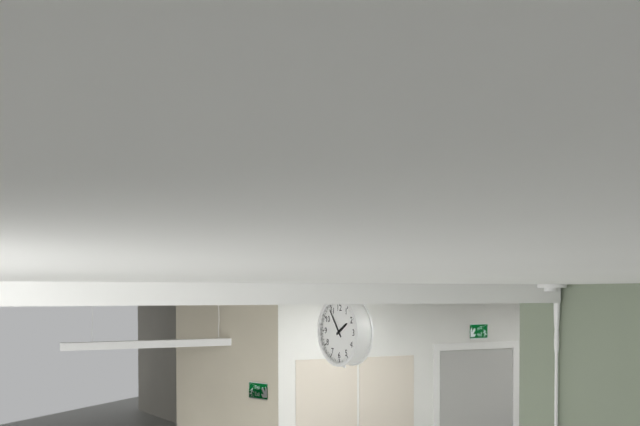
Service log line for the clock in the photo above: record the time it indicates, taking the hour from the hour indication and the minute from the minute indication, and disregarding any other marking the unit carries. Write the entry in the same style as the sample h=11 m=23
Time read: h=1 m=54
